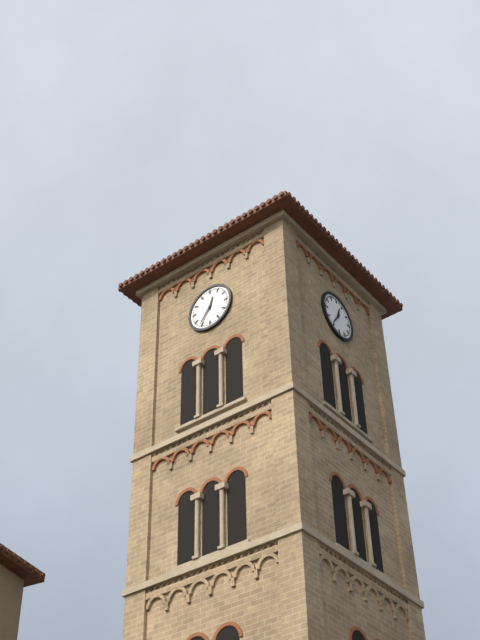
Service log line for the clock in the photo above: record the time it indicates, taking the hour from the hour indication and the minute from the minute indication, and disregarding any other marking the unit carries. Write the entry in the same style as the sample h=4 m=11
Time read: h=12 m=36
